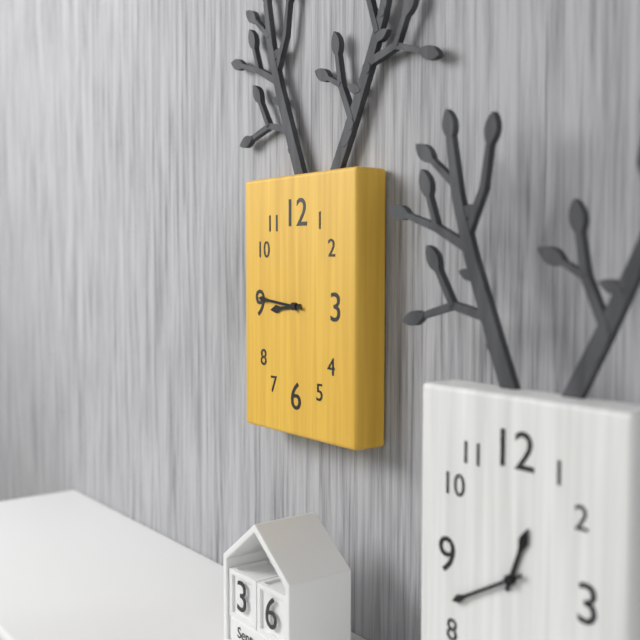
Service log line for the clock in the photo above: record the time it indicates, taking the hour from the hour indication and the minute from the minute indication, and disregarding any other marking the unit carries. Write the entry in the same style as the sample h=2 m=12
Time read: h=8 m=46
